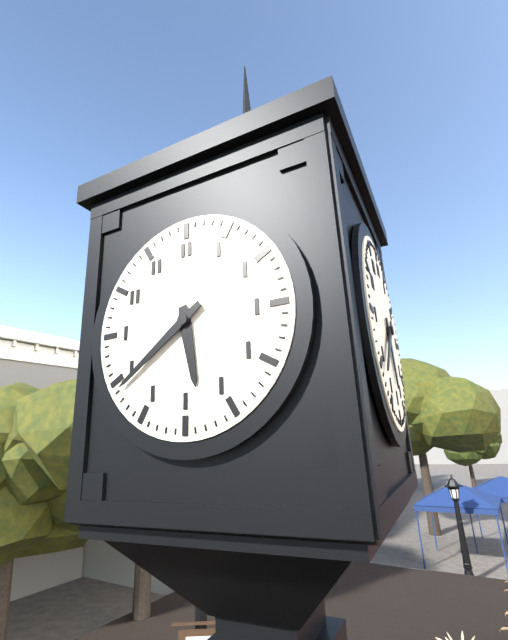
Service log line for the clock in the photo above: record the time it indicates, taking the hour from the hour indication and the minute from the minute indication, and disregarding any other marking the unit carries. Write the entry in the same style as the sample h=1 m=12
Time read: h=5 m=39
